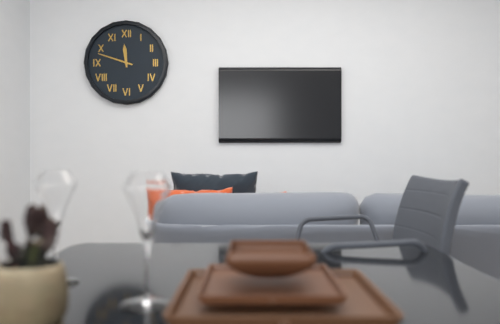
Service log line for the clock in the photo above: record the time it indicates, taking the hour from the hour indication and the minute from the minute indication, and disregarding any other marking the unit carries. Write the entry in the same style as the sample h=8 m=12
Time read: h=11 m=48
